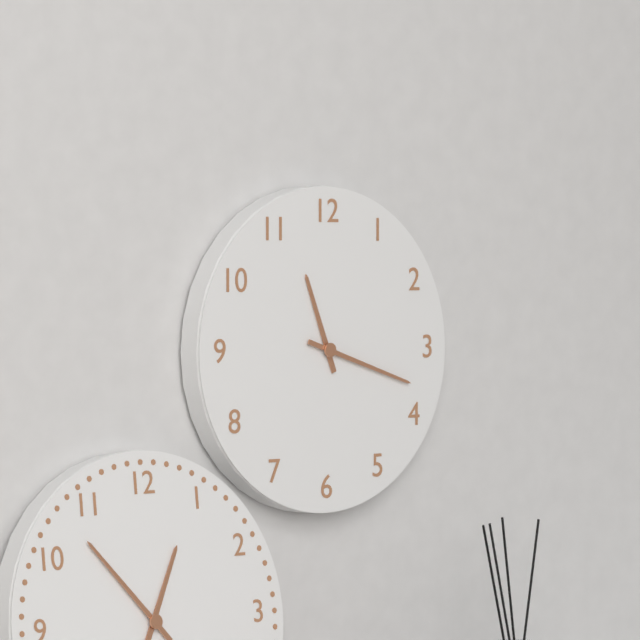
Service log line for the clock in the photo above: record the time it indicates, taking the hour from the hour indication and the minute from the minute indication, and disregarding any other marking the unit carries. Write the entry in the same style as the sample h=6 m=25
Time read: h=11 m=18
